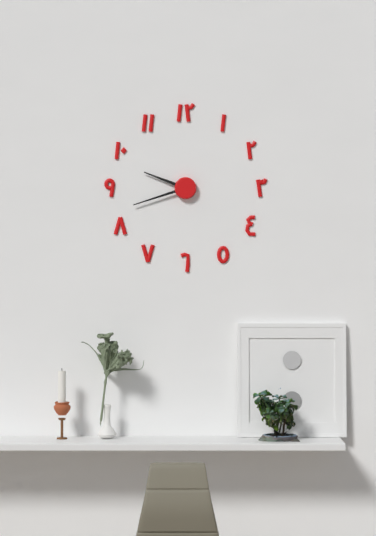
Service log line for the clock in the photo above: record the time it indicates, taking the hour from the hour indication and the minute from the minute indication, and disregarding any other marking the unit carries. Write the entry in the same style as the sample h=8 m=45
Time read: h=9 m=42
